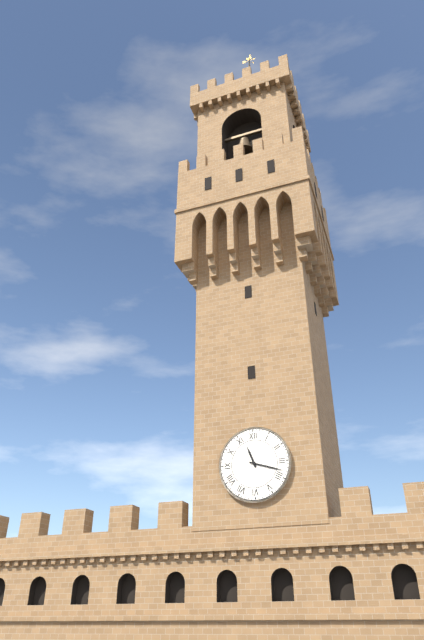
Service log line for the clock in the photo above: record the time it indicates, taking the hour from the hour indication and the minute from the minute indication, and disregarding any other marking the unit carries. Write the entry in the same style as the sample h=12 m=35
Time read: h=11 m=18
